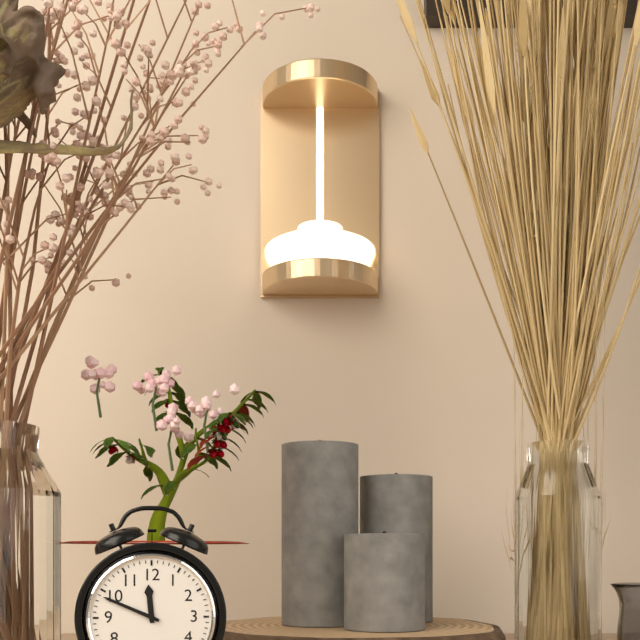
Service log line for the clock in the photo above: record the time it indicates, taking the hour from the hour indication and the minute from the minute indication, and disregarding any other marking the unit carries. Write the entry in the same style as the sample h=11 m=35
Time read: h=11 m=49
